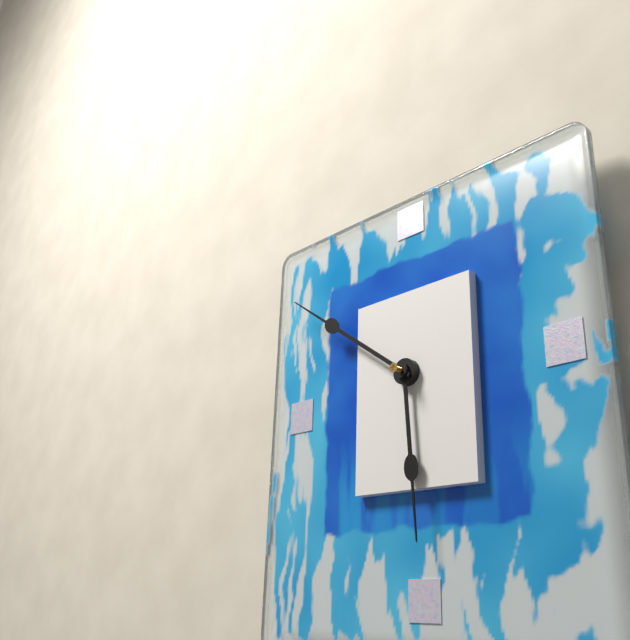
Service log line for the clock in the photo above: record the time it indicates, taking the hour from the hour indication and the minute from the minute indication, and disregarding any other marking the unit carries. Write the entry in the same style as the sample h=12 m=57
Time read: h=5 m=51
